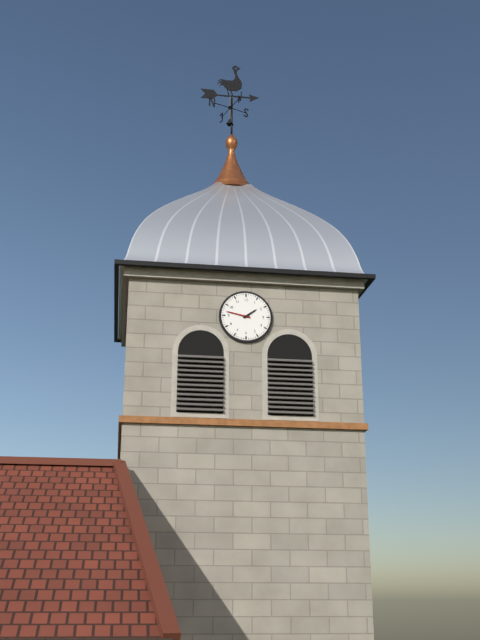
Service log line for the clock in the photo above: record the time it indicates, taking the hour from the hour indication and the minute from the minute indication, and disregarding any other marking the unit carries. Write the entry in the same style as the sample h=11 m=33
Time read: h=1 m=47
